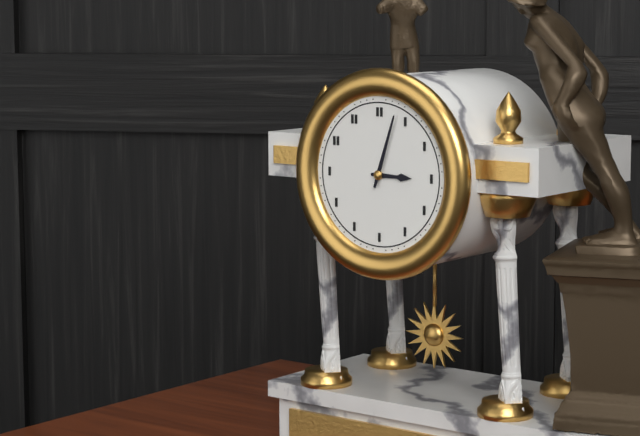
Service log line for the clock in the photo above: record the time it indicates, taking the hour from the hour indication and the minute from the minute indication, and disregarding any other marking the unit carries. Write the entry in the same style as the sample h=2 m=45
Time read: h=3 m=3
